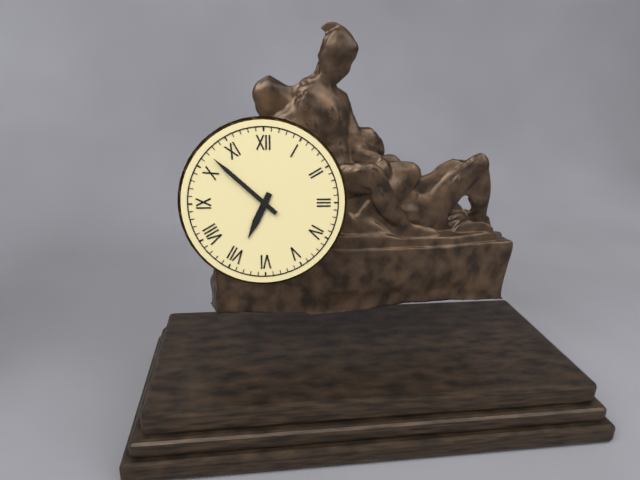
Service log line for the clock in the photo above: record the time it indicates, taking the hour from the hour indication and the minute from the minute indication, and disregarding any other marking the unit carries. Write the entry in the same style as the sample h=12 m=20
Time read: h=6 m=52
